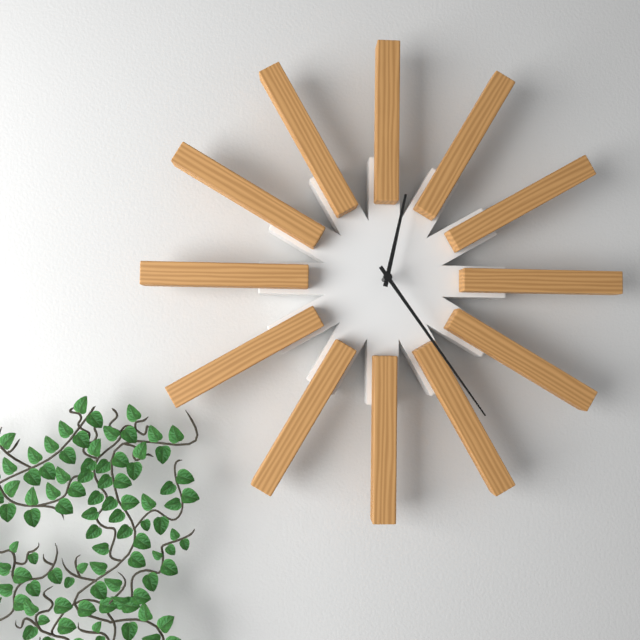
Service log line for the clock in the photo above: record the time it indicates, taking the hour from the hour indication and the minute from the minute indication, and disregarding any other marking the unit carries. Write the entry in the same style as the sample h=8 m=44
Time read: h=12 m=24
